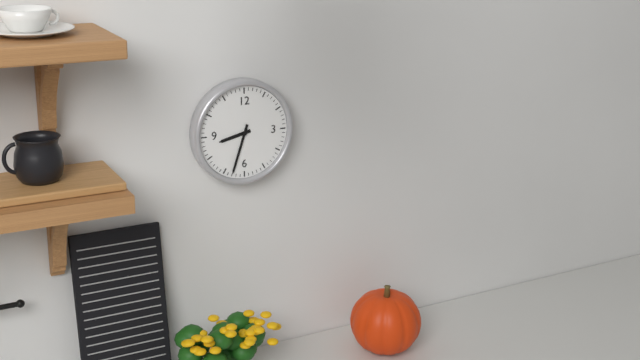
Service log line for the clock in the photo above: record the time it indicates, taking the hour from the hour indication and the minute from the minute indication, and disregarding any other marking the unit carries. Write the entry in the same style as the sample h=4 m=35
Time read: h=8 m=33
